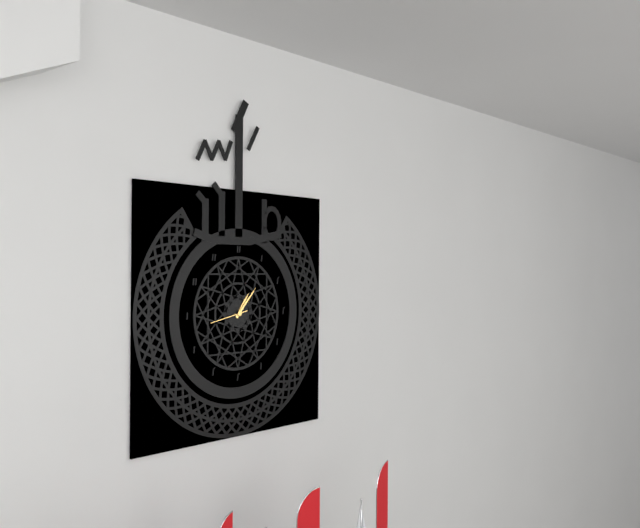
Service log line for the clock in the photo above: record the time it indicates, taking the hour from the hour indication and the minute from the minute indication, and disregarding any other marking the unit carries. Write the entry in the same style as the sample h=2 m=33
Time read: h=1 m=7
